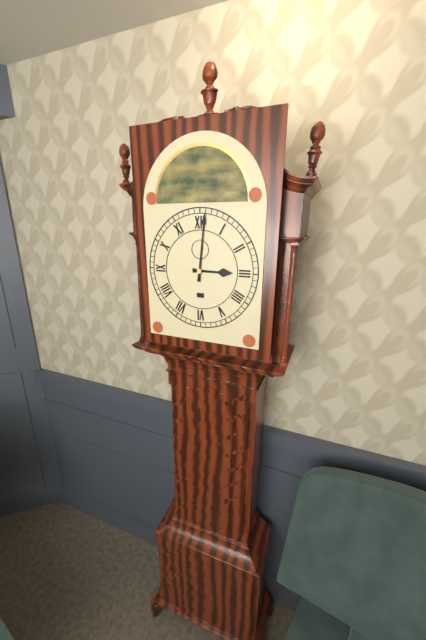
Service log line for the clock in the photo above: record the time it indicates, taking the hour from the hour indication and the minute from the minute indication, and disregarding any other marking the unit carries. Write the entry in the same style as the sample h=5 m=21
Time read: h=3 m=1
